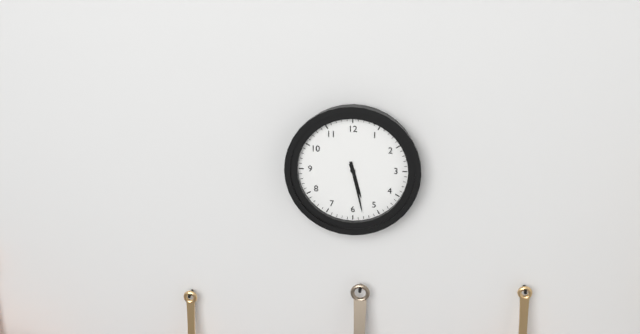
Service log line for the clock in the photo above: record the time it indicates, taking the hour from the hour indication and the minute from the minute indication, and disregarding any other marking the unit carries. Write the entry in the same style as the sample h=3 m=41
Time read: h=5 m=28
